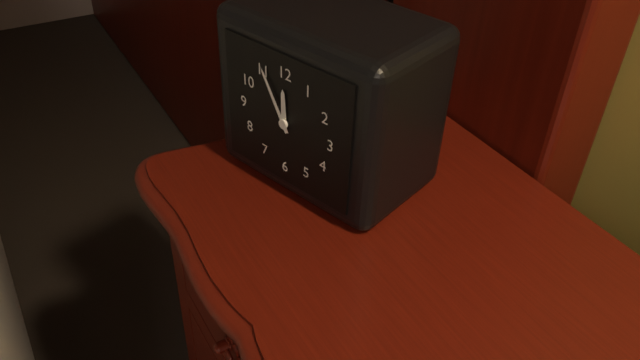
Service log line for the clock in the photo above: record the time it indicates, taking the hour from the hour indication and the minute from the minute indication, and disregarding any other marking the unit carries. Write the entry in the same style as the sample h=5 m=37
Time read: h=11 m=55
